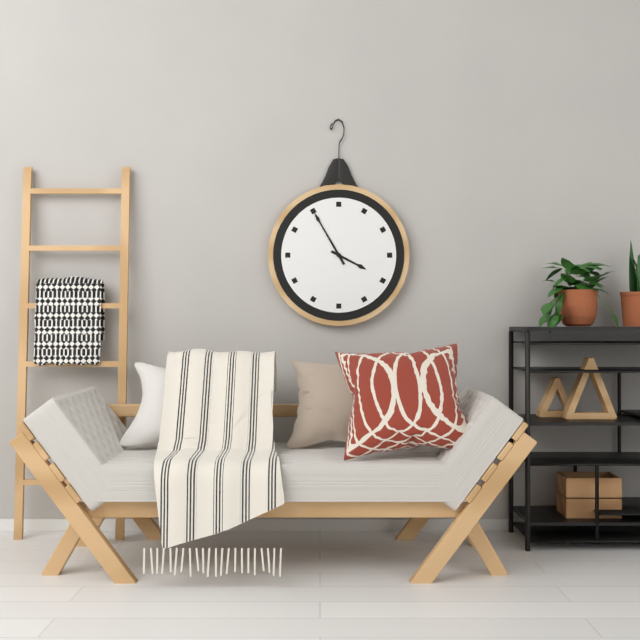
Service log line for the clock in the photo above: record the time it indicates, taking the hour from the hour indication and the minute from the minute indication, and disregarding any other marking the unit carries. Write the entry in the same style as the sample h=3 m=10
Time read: h=3 m=55
